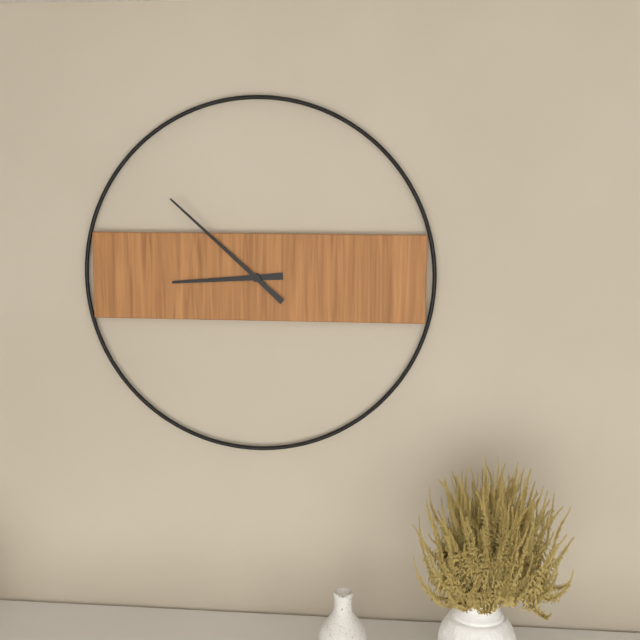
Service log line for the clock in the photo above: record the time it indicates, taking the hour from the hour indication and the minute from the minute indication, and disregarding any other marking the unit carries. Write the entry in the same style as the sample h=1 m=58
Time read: h=8 m=52
